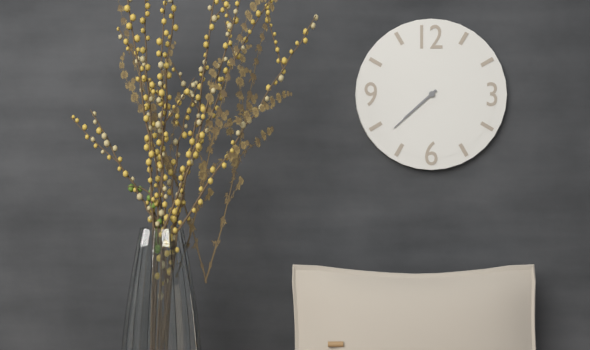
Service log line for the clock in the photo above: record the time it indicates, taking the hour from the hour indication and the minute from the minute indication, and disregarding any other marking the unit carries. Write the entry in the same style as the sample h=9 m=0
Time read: h=7 m=38
